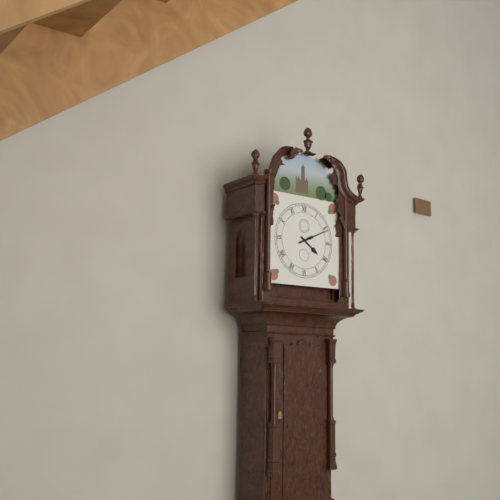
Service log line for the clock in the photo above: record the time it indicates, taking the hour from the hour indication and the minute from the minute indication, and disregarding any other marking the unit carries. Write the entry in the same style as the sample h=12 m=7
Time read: h=4 m=11
